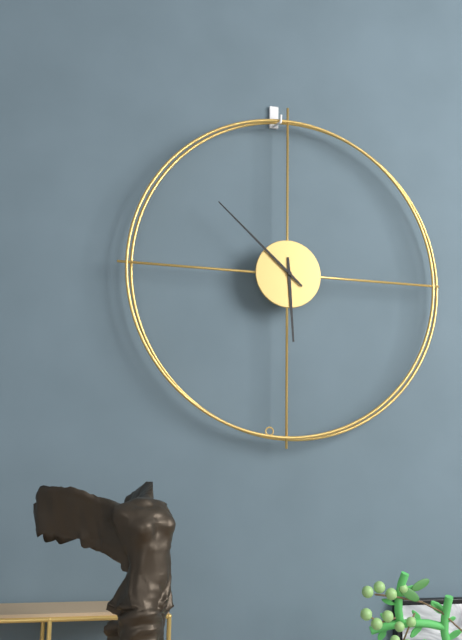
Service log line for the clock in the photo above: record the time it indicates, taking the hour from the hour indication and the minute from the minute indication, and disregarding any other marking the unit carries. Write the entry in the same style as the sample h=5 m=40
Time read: h=5 m=52
